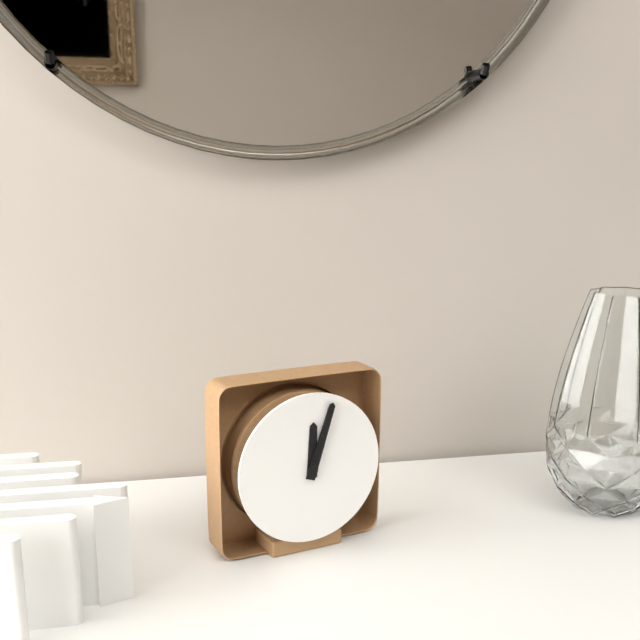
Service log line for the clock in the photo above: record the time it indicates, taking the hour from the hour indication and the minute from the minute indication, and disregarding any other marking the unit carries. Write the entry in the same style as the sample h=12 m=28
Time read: h=12 m=3
